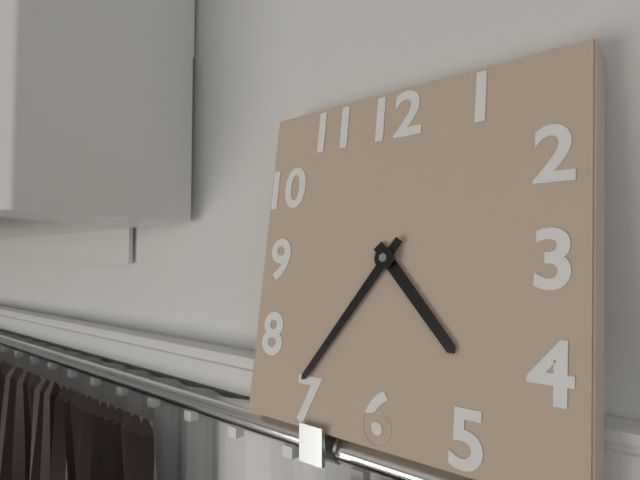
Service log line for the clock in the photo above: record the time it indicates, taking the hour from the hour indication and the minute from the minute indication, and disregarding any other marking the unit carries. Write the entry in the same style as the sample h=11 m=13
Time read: h=4 m=36
